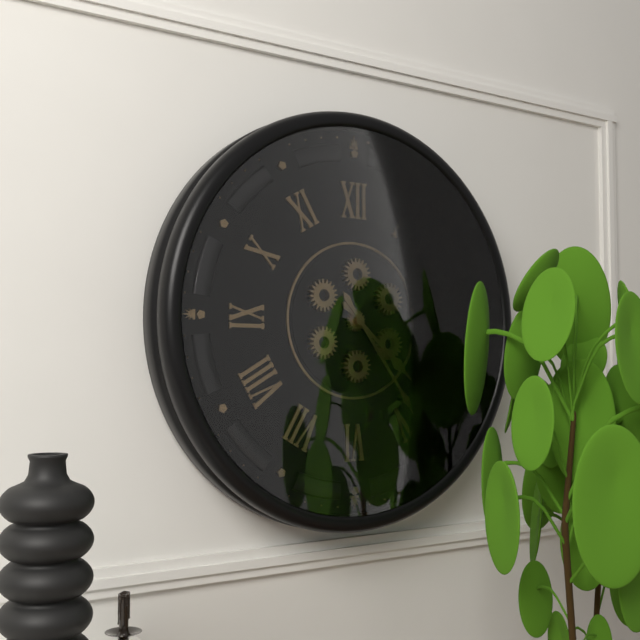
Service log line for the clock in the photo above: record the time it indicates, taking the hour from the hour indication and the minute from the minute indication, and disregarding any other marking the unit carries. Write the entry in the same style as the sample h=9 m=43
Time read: h=4 m=24
